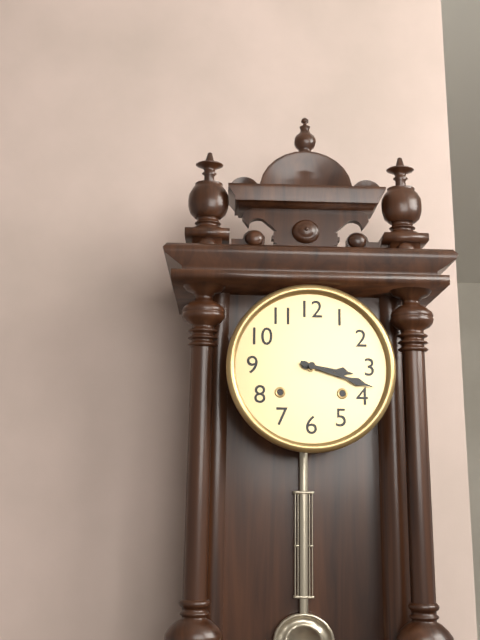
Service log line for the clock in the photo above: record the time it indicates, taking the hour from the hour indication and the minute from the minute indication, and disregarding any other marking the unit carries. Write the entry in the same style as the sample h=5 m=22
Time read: h=3 m=18
